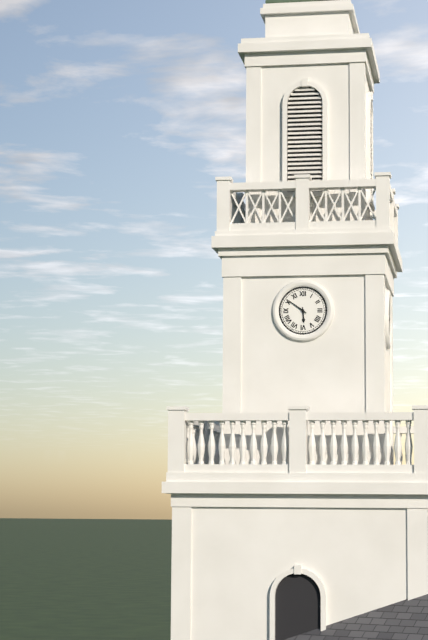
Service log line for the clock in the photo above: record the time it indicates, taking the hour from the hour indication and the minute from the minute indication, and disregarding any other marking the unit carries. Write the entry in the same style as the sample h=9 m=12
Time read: h=5 m=51
